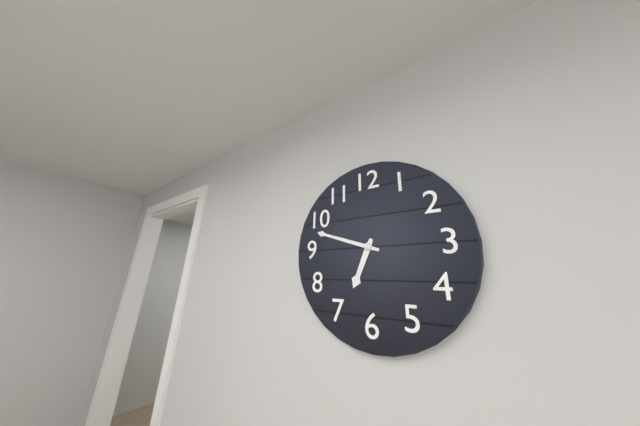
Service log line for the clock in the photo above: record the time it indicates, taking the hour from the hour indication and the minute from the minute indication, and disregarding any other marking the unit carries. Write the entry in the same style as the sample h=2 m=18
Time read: h=6 m=48
